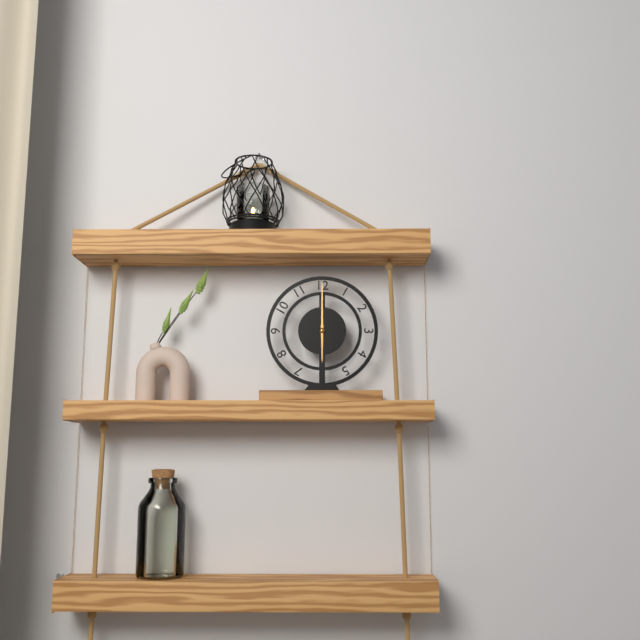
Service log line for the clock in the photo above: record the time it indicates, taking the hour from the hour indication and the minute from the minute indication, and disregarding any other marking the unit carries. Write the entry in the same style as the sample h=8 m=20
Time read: h=6 m=0
